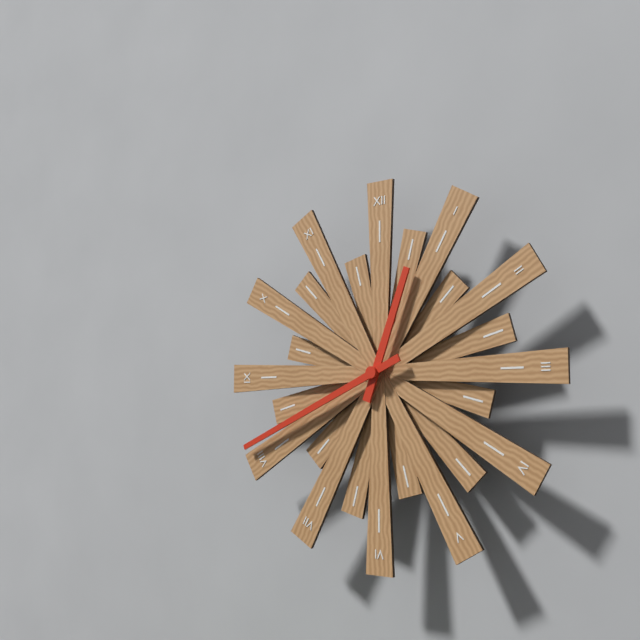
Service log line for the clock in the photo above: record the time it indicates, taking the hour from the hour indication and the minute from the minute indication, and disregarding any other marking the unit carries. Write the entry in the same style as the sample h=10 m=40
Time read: h=12 m=41
